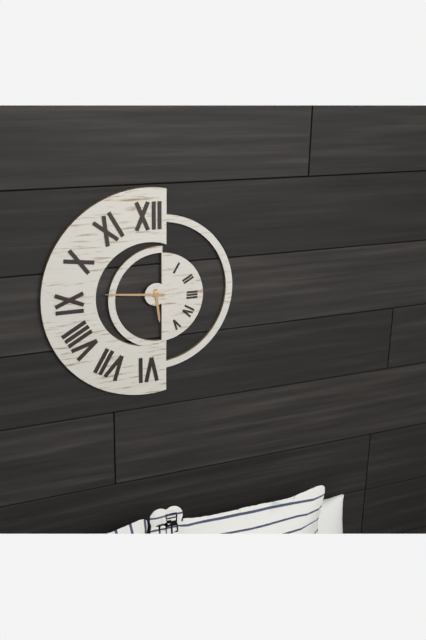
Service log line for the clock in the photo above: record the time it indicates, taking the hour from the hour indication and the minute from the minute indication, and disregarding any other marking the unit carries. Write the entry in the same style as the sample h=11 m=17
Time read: h=5 m=46
